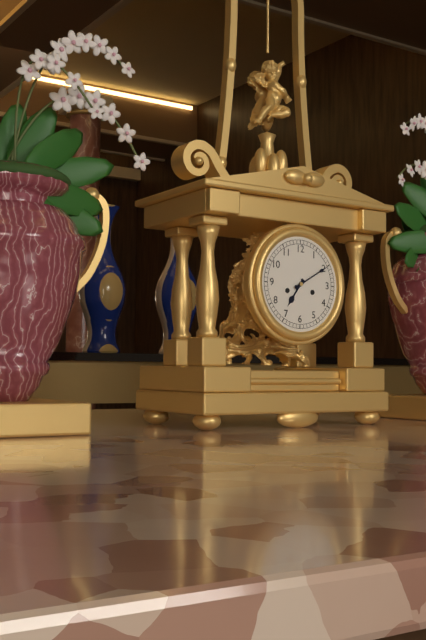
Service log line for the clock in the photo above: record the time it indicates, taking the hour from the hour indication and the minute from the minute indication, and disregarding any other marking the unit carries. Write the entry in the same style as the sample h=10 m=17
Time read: h=7 m=10
